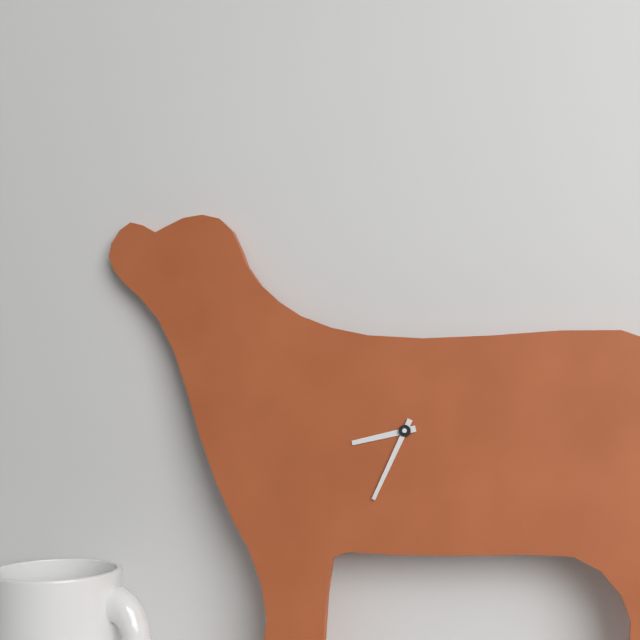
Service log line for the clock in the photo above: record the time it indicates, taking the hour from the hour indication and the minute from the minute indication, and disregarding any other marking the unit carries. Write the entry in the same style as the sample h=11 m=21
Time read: h=8 m=34
